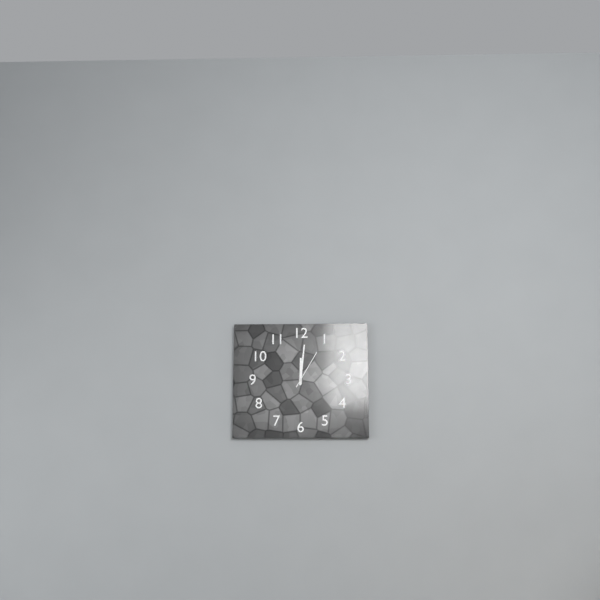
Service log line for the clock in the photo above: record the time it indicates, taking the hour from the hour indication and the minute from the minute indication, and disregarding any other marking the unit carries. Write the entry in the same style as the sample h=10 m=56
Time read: h=12 m=1
